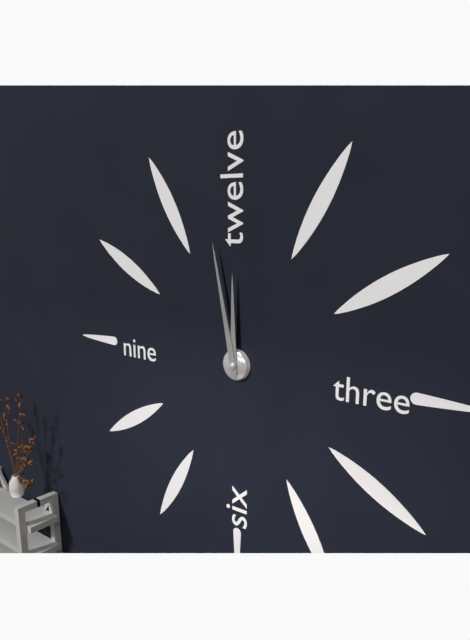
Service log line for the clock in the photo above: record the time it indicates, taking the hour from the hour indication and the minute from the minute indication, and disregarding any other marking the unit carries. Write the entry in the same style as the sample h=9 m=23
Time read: h=11 m=58
